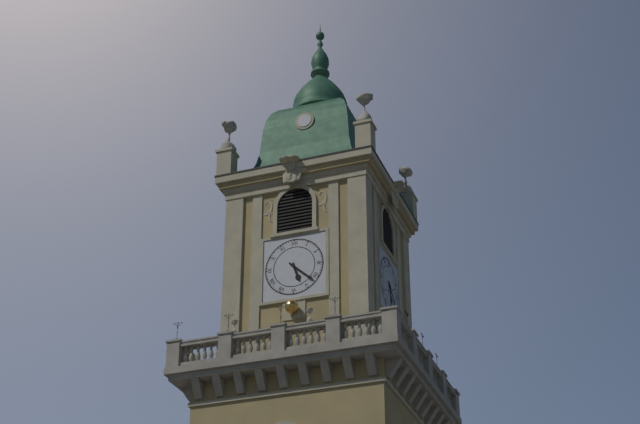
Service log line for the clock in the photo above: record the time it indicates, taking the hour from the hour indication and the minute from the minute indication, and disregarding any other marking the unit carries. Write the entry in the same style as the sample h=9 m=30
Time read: h=5 m=22
